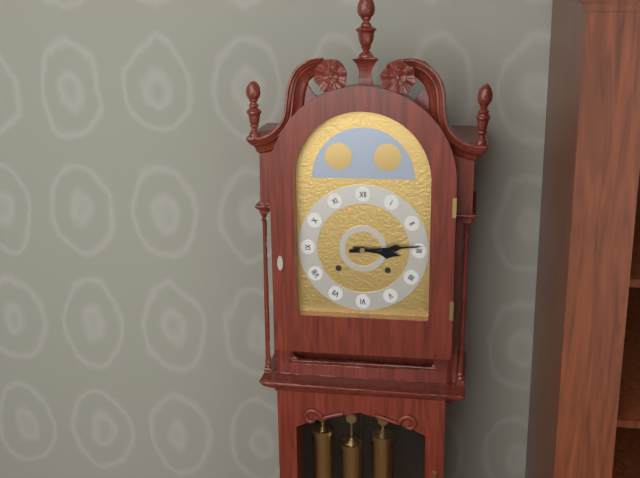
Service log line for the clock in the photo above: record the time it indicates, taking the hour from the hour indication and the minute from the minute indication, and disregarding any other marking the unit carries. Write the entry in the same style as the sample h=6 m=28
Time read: h=3 m=14
